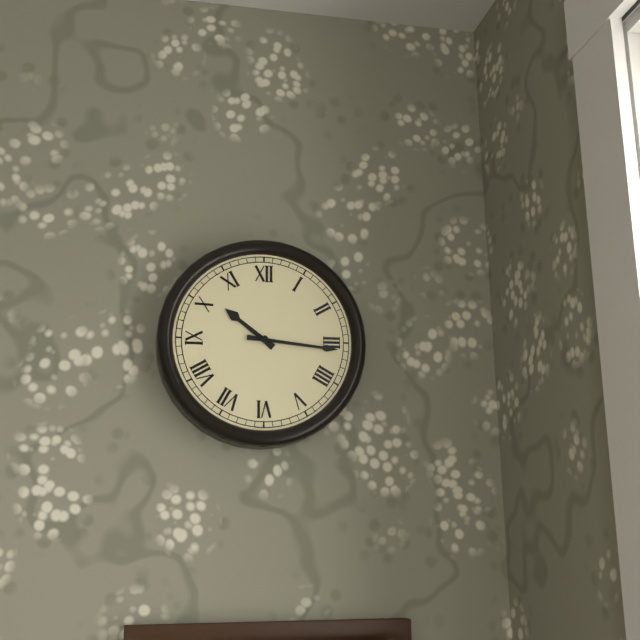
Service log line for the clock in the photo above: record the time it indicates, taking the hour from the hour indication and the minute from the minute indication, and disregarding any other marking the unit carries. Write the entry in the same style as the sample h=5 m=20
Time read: h=10 m=16
